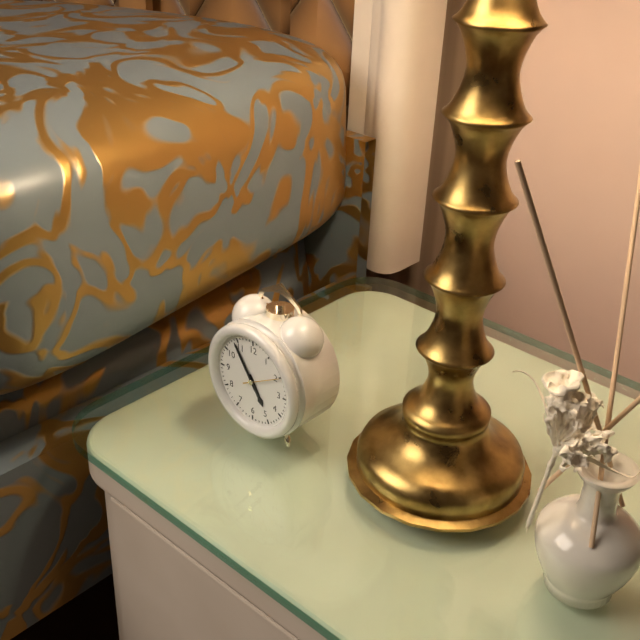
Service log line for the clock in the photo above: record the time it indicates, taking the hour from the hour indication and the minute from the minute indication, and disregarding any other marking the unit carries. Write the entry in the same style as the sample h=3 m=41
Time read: h=4 m=54
